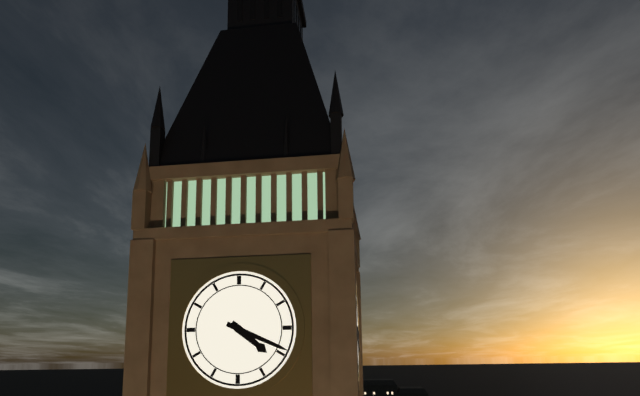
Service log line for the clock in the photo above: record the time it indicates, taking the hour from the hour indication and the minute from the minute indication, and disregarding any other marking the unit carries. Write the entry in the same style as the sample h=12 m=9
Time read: h=4 m=19
